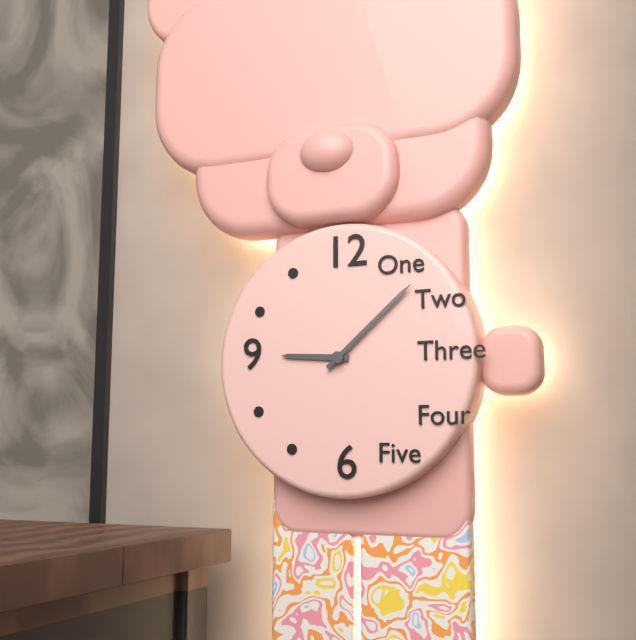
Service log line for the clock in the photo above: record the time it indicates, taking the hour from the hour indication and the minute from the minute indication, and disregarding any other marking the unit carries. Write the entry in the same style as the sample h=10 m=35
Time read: h=9 m=8
